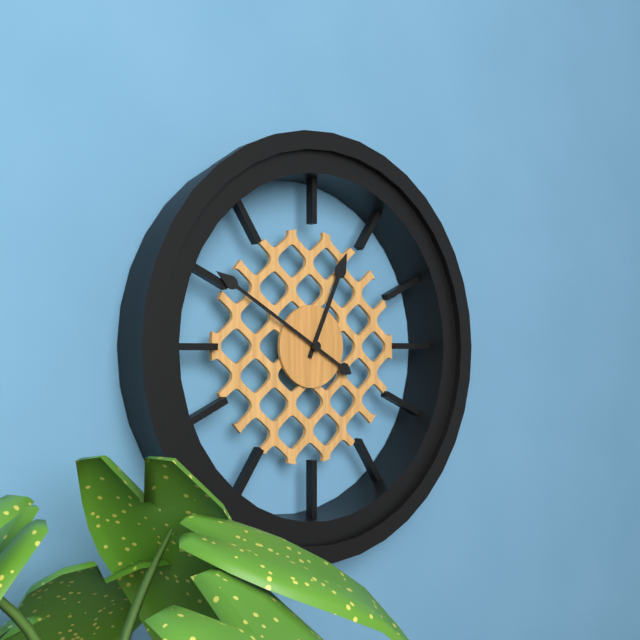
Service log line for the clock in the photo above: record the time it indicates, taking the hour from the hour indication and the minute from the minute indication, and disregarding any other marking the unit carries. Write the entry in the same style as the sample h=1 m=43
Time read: h=12 m=50
